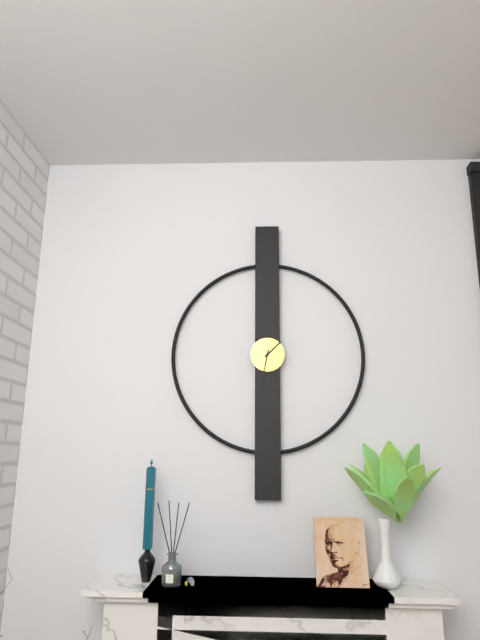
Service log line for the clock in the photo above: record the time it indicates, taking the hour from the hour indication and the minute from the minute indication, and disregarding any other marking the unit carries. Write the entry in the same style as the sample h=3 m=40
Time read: h=1 m=32
